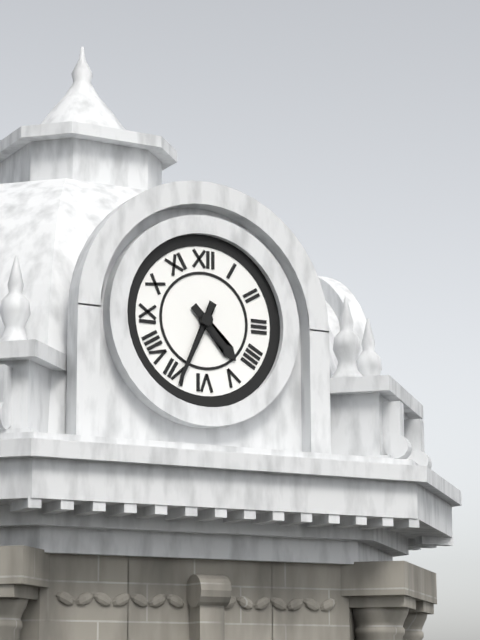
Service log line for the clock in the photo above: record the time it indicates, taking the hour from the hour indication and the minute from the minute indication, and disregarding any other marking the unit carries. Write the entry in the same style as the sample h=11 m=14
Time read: h=4 m=34
